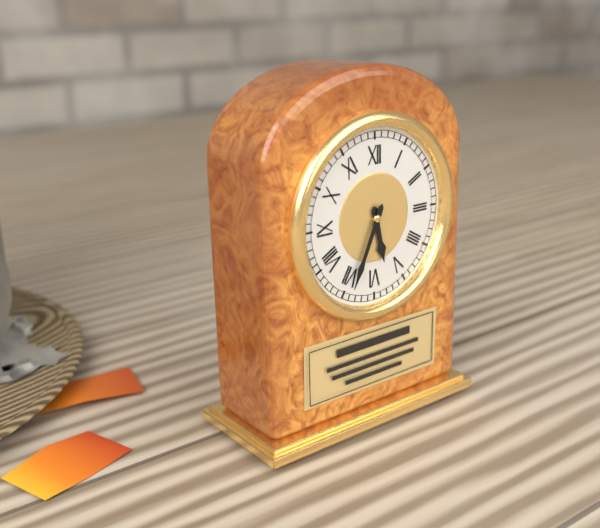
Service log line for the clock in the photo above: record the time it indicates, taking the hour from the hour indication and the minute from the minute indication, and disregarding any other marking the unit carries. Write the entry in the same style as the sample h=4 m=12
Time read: h=5 m=34
